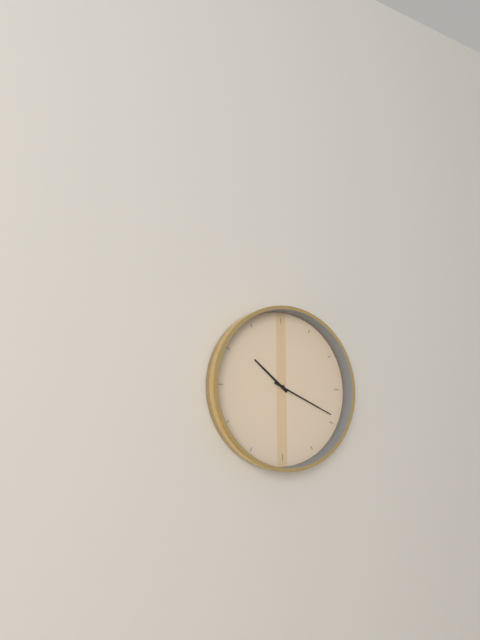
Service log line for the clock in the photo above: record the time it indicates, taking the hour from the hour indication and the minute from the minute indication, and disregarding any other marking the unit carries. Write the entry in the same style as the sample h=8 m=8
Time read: h=10 m=19
